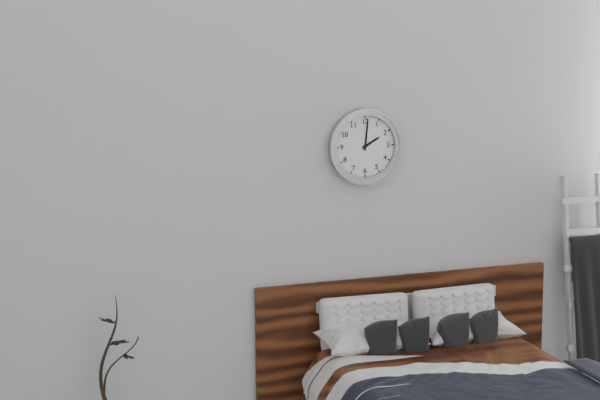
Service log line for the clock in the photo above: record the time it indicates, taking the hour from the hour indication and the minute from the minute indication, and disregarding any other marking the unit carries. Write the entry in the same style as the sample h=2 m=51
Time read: h=2 m=1
